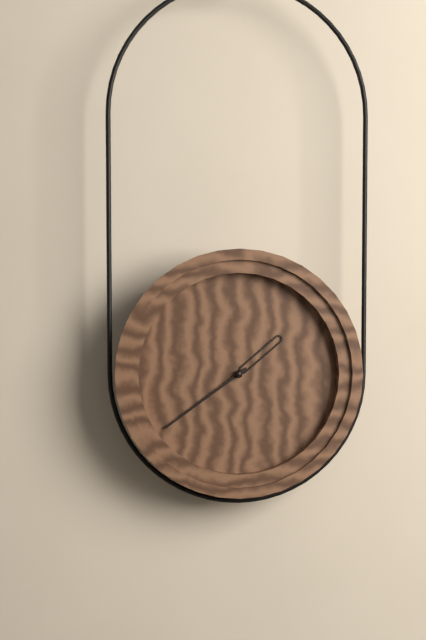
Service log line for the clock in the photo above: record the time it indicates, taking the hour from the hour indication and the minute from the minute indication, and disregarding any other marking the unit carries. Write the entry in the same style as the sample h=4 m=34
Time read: h=1 m=39
